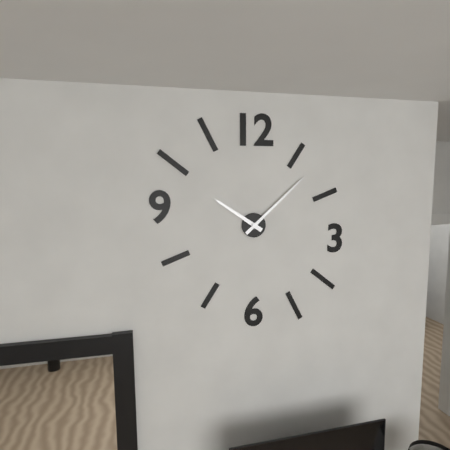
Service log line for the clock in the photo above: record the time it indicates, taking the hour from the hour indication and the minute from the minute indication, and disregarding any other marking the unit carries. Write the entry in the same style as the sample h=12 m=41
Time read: h=10 m=8
